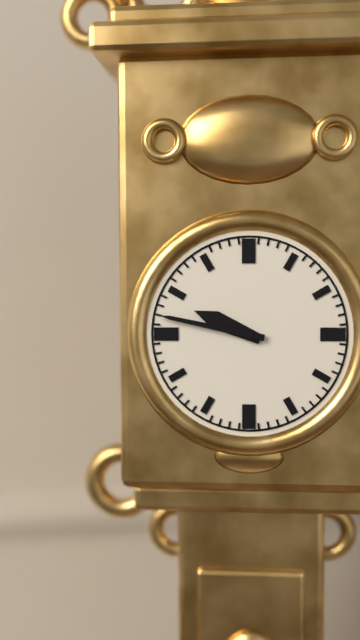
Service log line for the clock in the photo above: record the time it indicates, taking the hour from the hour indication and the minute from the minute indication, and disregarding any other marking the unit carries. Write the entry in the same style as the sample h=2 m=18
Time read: h=9 m=47
